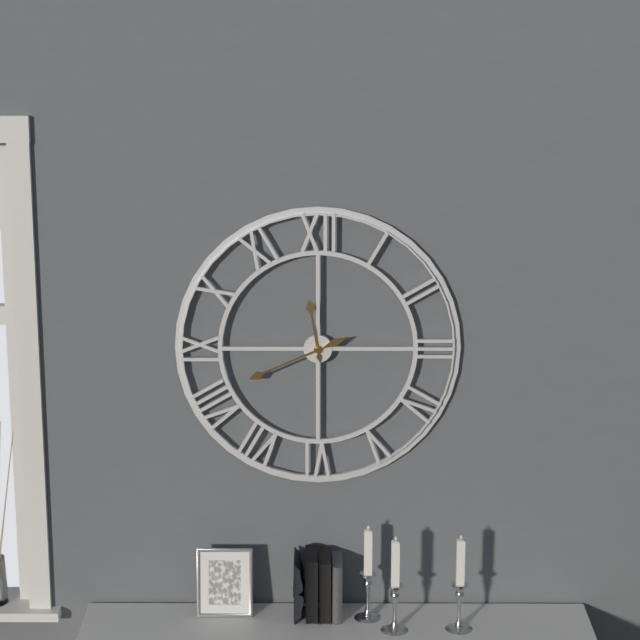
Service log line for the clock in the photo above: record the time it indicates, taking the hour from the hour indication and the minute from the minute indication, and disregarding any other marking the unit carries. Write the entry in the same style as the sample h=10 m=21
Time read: h=11 m=41
